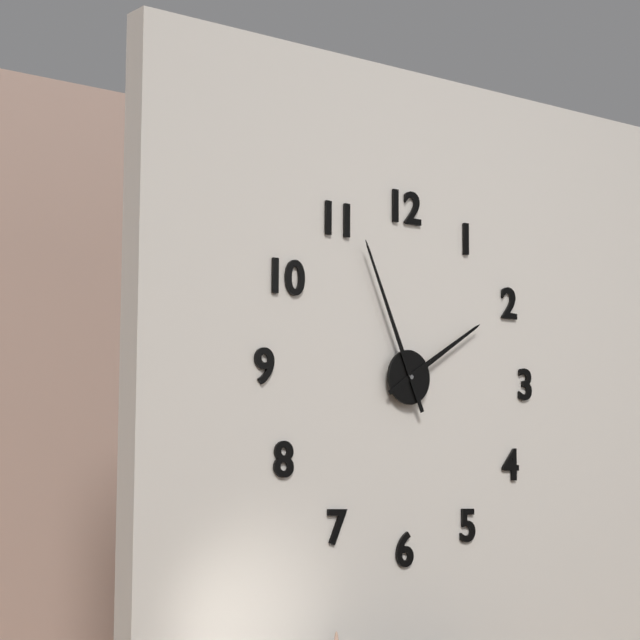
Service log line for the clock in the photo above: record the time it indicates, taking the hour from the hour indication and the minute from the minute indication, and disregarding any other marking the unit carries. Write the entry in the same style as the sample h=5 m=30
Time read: h=1 m=56
